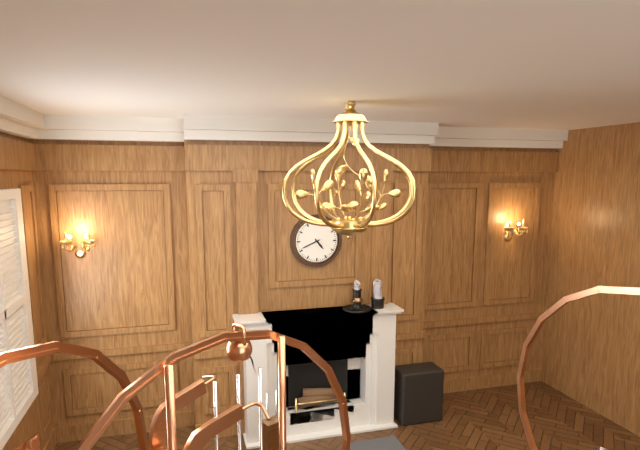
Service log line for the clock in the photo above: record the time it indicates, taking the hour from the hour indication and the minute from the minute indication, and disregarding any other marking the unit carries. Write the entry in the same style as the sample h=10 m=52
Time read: h=4 m=41
